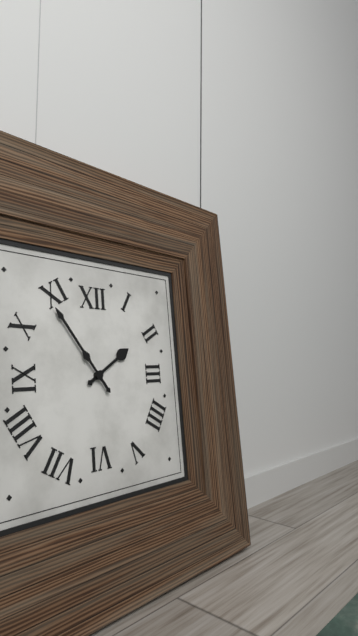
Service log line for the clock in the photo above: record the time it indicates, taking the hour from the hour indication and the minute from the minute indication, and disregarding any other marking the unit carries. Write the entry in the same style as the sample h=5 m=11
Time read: h=1 m=54
